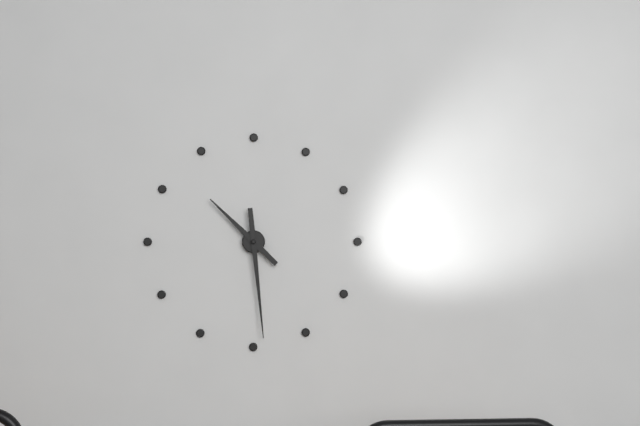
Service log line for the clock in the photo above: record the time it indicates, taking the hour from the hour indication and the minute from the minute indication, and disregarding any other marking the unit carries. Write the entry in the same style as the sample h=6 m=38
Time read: h=10 m=29
